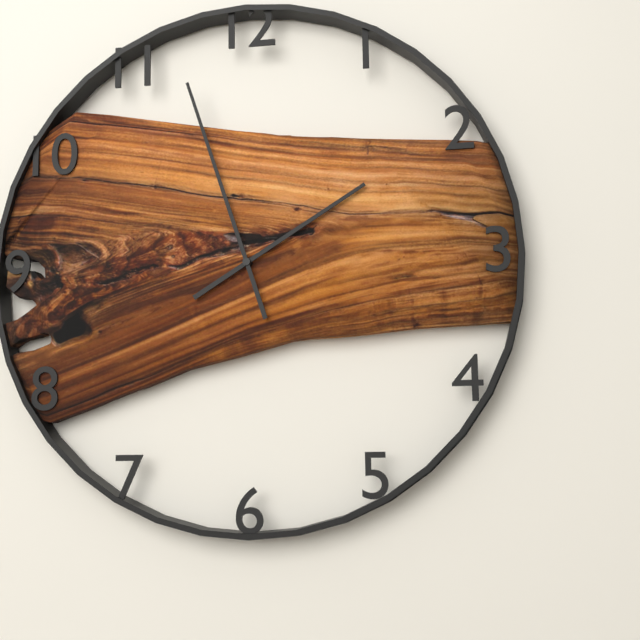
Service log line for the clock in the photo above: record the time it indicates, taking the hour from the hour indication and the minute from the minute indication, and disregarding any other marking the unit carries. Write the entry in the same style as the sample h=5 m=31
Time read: h=1 m=57
